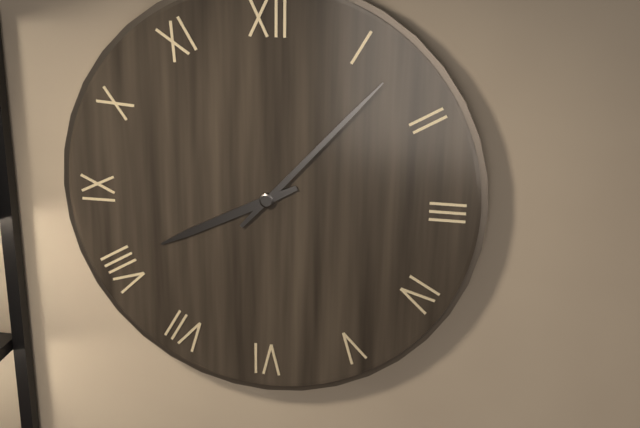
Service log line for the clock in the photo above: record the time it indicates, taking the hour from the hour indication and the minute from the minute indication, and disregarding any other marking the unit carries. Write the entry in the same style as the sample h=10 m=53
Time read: h=8 m=7
